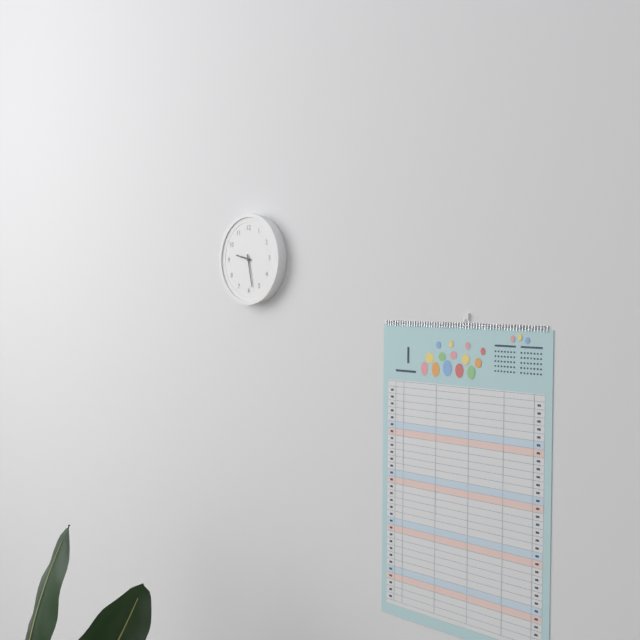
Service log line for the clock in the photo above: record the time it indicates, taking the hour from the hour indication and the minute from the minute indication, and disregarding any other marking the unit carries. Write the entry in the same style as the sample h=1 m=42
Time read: h=9 m=28
